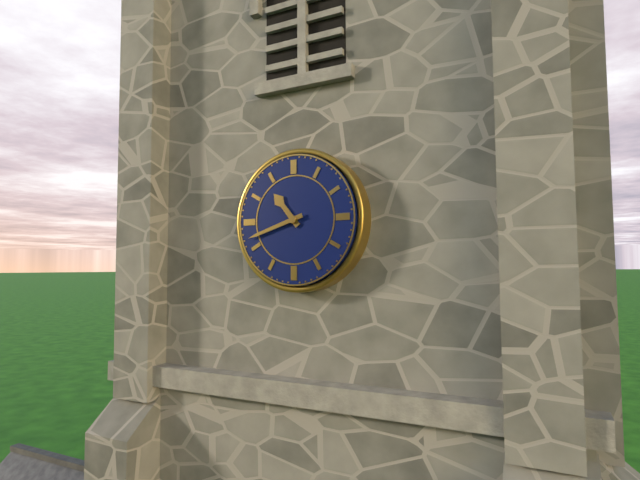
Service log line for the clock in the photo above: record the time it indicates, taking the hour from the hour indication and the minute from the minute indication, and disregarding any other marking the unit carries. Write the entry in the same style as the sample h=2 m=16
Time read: h=10 m=42
